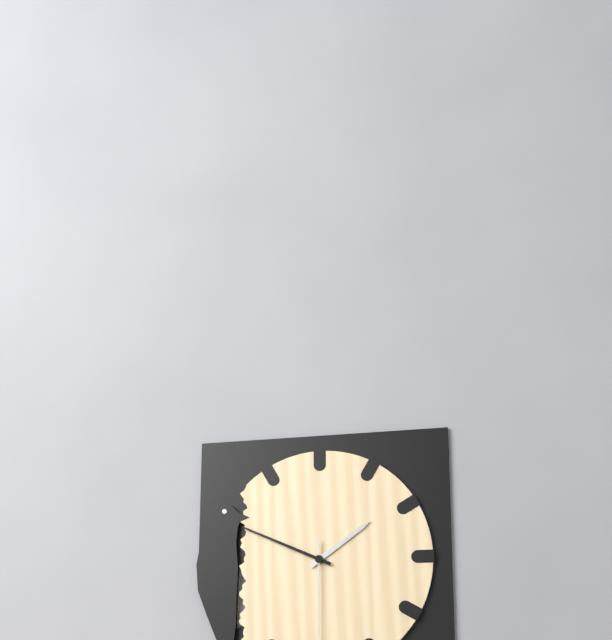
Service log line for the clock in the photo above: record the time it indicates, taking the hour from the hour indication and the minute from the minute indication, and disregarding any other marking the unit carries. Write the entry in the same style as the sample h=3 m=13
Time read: h=1 m=49
